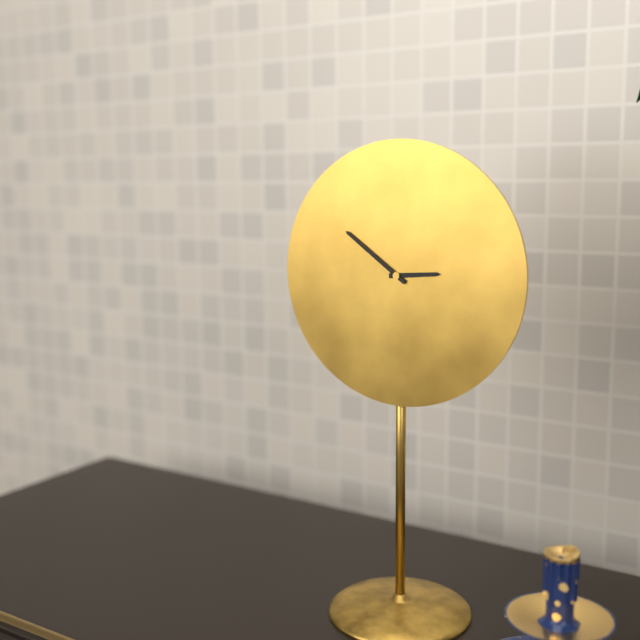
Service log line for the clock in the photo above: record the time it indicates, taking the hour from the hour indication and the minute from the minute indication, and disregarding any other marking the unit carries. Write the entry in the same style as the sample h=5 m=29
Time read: h=2 m=51
